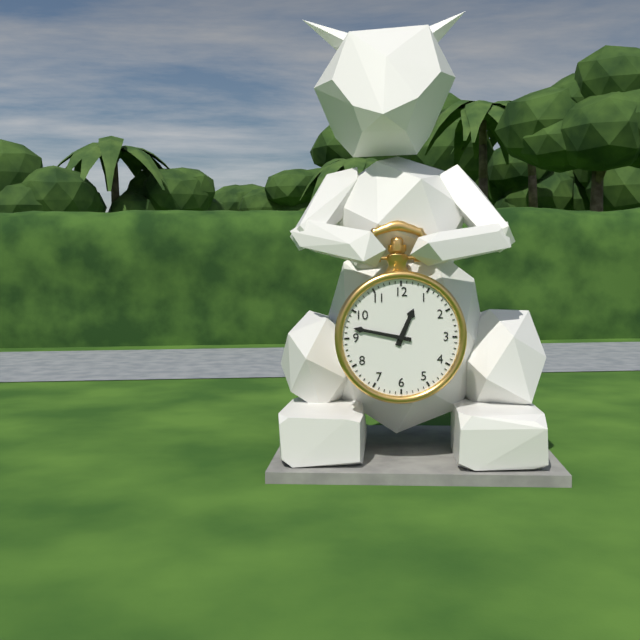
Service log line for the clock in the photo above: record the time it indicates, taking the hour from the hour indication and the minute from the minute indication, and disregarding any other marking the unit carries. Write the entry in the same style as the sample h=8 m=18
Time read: h=12 m=47
